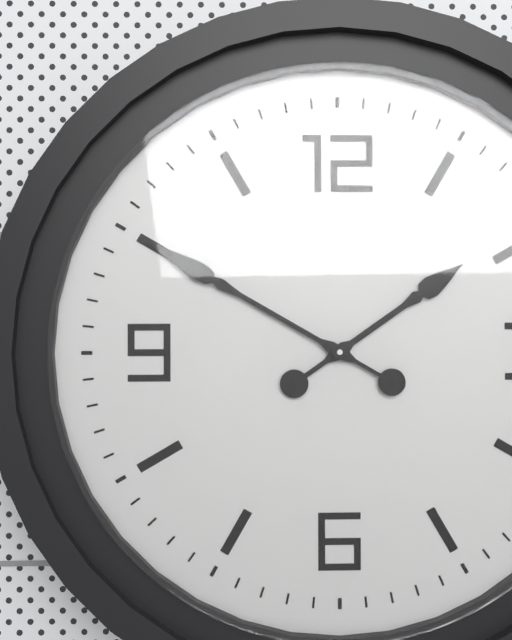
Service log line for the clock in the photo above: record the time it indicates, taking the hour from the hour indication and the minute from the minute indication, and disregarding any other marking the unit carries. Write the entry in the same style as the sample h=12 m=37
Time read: h=1 m=50
